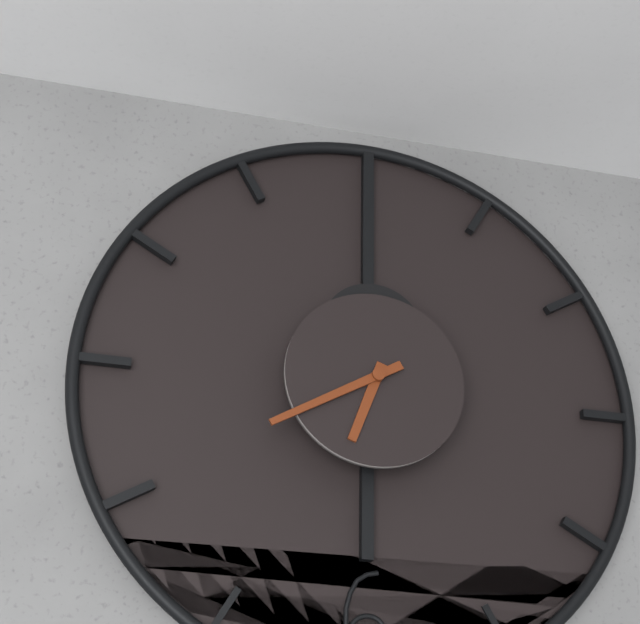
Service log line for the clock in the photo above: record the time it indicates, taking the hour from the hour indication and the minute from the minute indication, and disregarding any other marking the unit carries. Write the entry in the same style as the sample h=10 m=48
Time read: h=6 m=40
